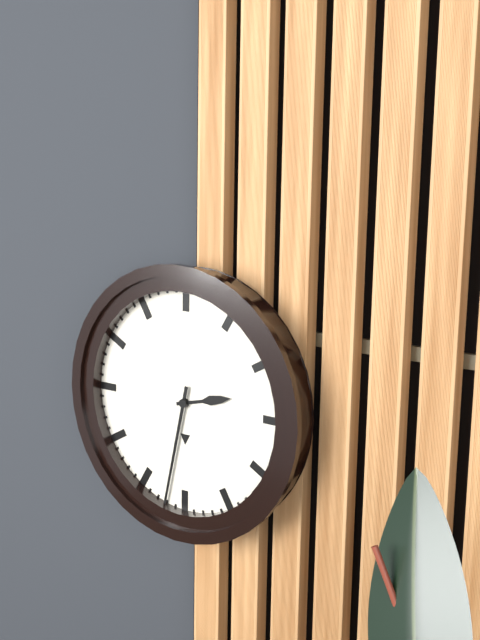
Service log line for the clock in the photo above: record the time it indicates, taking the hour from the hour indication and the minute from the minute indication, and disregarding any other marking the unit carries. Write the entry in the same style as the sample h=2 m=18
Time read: h=2 m=32
